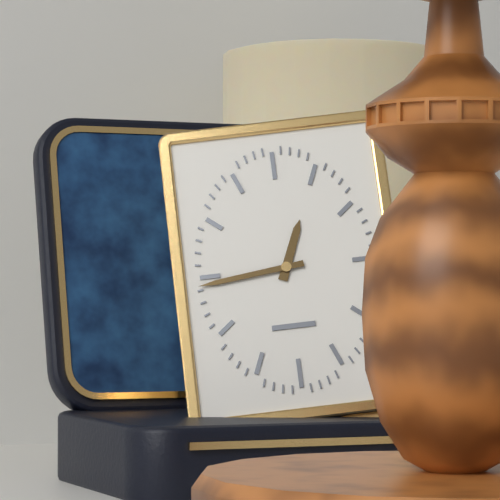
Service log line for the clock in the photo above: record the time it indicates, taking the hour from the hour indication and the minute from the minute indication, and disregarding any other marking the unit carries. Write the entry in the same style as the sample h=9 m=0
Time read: h=12 m=44
